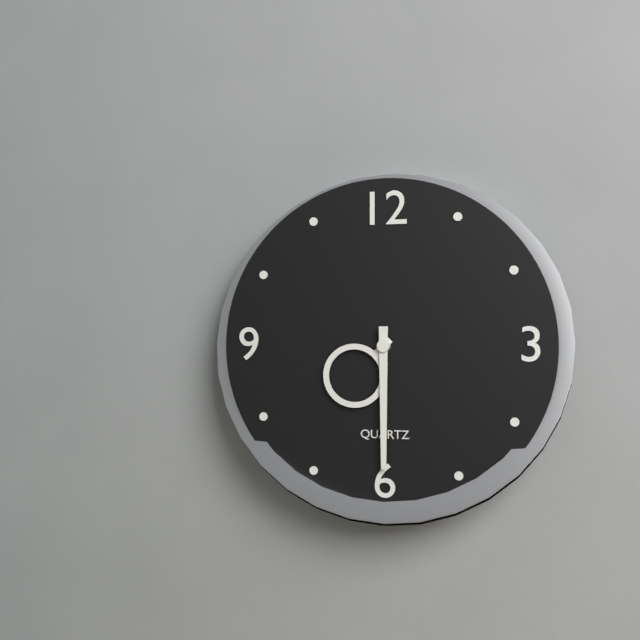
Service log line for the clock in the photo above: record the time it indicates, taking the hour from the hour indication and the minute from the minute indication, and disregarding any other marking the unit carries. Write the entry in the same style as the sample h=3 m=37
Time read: h=7 m=30
